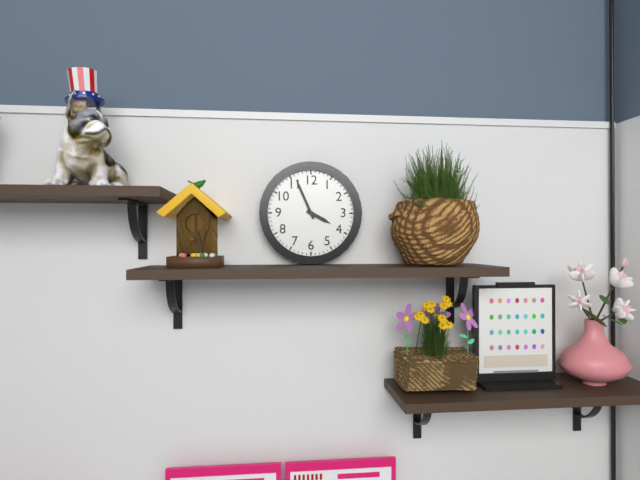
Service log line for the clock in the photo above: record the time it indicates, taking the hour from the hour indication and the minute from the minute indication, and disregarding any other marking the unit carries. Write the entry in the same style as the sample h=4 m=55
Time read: h=3 m=56
